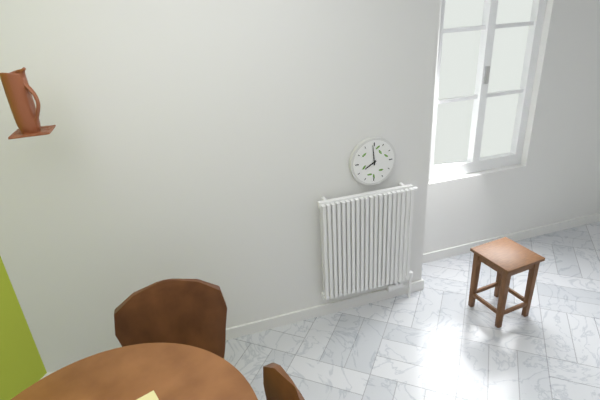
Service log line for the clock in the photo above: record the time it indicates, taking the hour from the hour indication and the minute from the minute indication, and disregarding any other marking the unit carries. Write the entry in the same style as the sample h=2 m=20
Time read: h=7 m=59
